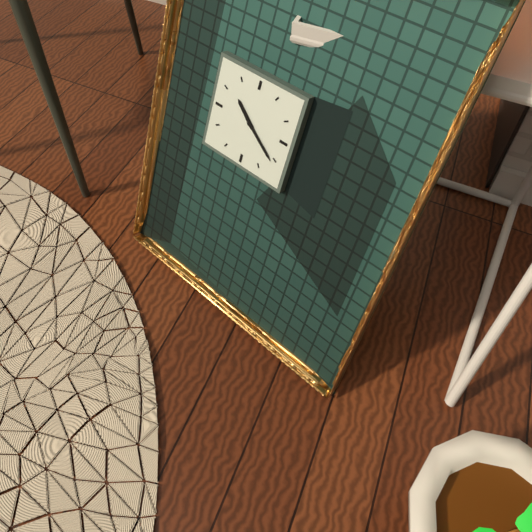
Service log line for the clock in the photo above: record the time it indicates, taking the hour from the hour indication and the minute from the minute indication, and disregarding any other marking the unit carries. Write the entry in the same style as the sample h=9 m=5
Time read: h=10 m=21
